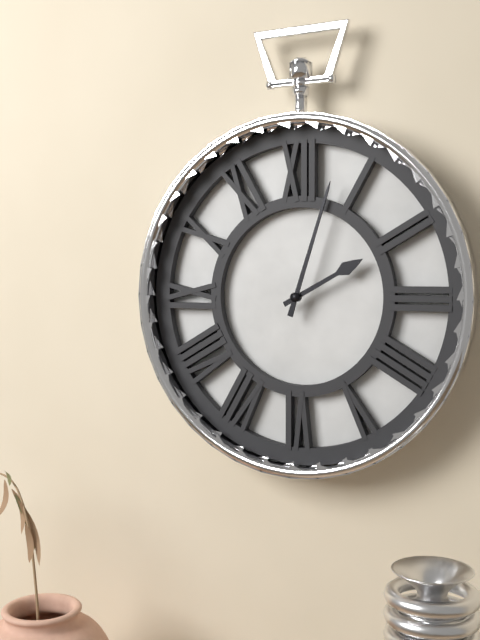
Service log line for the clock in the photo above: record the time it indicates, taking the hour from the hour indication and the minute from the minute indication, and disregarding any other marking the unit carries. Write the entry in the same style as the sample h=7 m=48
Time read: h=2 m=3
